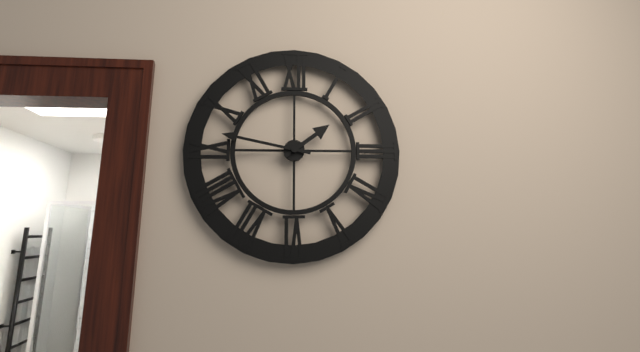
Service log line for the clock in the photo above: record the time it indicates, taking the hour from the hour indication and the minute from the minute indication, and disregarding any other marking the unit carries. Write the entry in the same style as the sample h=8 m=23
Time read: h=1 m=47
